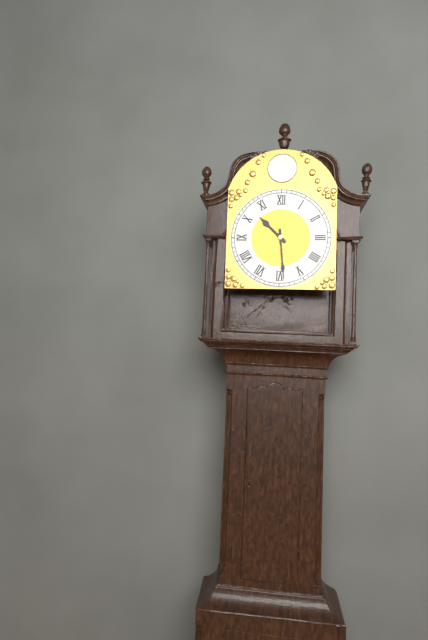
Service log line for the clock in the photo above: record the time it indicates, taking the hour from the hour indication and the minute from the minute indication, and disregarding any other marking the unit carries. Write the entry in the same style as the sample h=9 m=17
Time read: h=10 m=29
